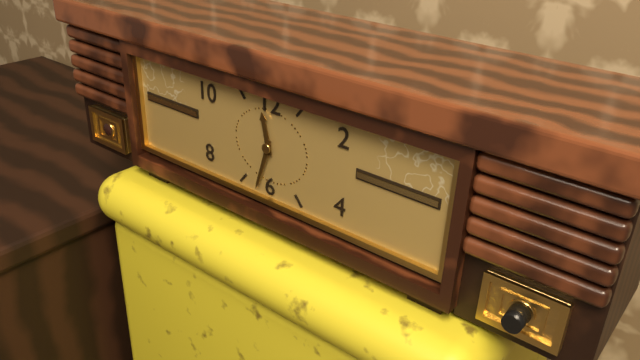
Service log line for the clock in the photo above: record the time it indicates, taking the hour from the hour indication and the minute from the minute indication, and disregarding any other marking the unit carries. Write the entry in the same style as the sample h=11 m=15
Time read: h=11 m=33
